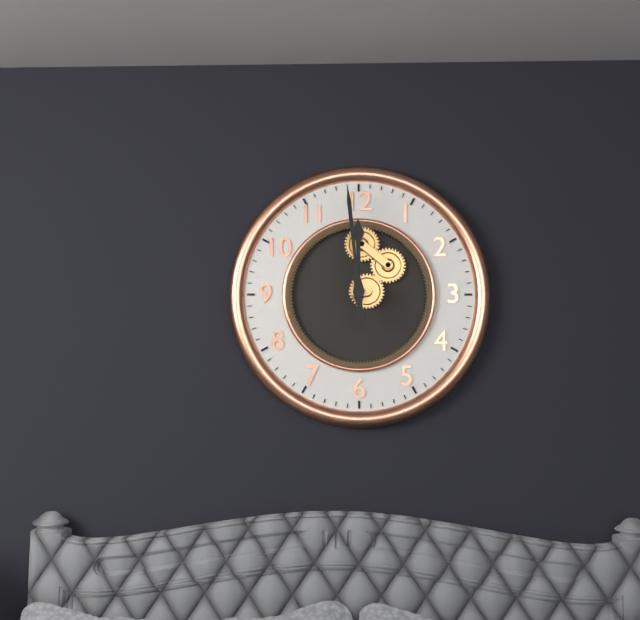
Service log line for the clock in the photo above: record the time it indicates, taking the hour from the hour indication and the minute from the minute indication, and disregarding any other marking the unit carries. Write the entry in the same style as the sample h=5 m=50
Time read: h=11 m=59
